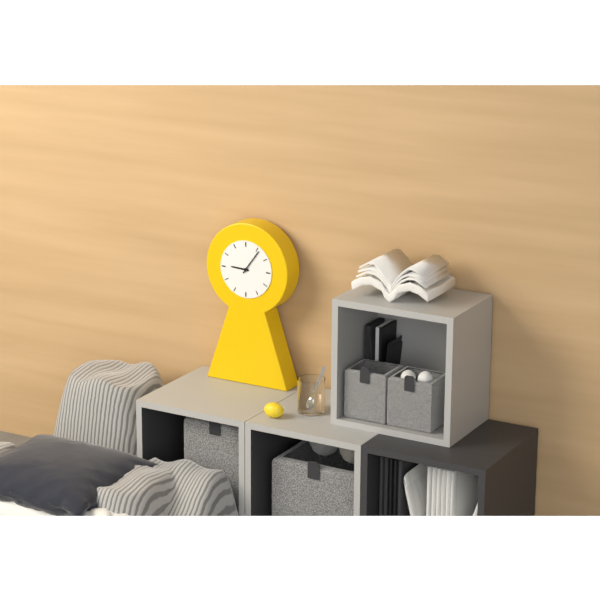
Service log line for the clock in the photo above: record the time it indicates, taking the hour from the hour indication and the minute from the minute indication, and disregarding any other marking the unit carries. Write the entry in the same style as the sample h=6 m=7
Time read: h=9 m=6
